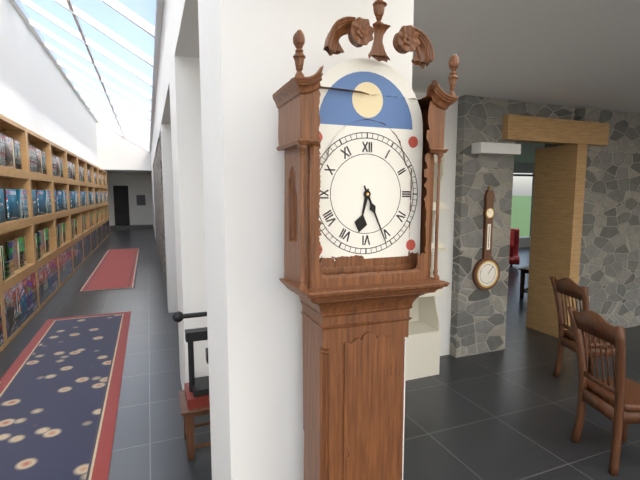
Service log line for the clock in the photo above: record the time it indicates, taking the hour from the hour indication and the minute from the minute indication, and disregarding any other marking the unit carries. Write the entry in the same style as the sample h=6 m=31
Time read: h=6 m=26
